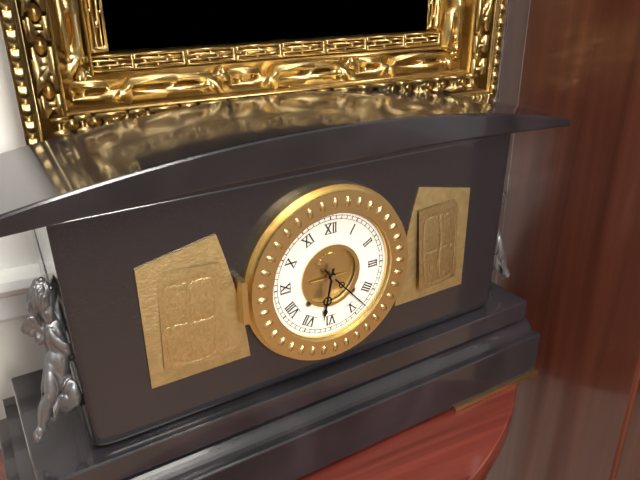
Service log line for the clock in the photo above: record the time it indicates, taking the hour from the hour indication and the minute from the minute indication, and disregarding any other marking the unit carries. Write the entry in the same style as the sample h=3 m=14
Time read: h=6 m=23
